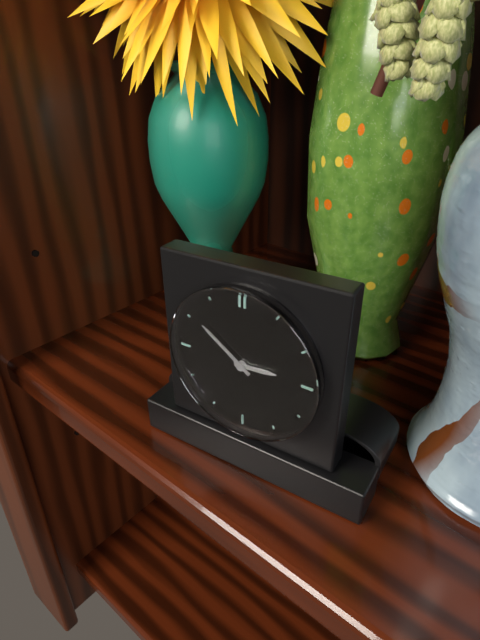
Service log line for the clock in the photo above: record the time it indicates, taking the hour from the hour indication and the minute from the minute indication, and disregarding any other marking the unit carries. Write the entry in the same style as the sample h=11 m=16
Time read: h=2 m=51
